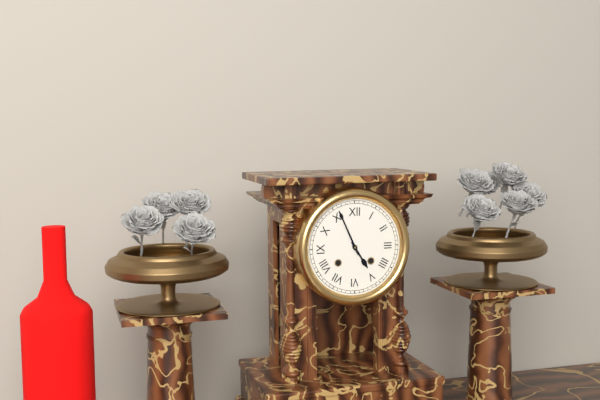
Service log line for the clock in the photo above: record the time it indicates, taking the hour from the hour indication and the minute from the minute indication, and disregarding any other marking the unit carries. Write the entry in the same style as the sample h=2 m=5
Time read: h=4 m=56
